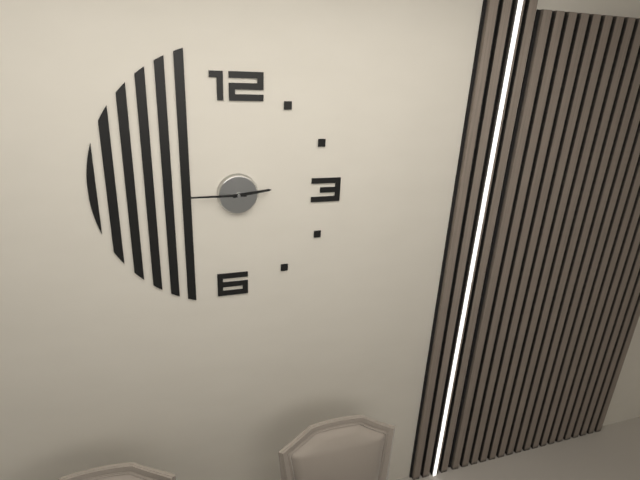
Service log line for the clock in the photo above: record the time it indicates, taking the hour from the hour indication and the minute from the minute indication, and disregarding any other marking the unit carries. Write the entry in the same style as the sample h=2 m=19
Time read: h=2 m=45
